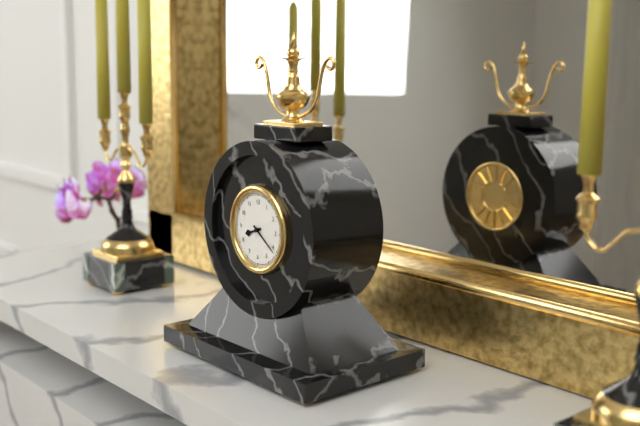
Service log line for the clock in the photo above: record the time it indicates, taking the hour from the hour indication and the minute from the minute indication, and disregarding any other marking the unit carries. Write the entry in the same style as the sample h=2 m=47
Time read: h=8 m=21
